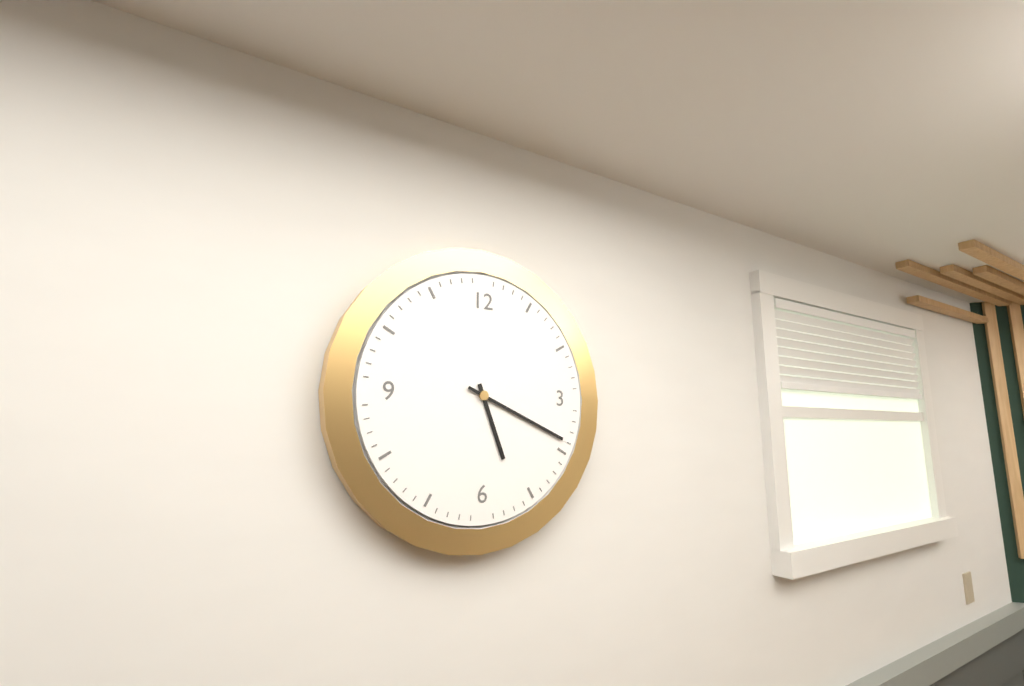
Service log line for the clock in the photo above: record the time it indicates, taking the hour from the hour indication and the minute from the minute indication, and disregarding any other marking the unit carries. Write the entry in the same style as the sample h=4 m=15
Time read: h=5 m=19
